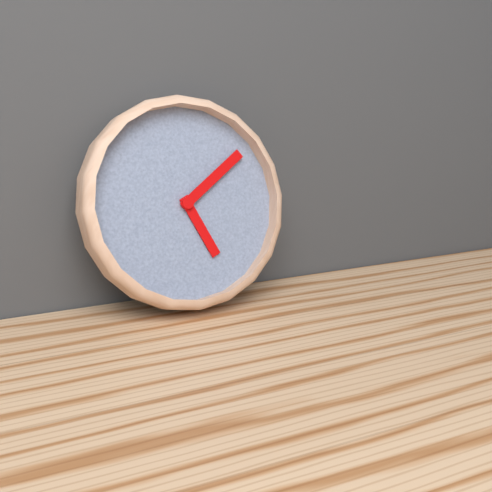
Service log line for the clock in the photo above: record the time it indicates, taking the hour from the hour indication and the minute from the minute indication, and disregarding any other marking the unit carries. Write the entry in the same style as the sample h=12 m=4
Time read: h=5 m=9
